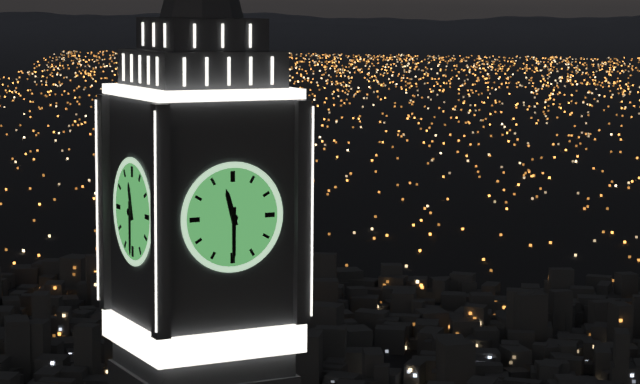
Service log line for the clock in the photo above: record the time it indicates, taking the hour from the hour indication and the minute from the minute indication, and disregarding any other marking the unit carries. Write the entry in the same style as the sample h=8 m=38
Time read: h=11 m=30
